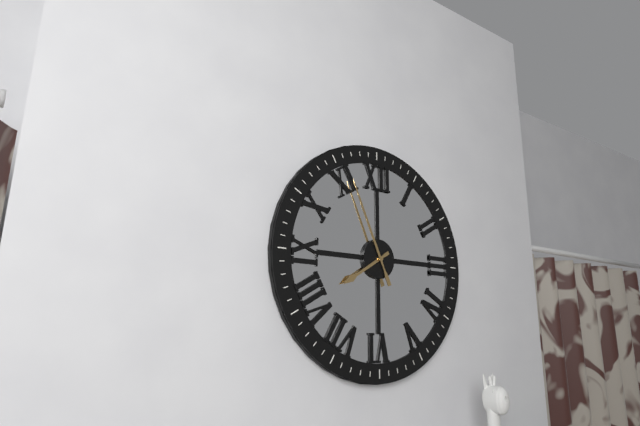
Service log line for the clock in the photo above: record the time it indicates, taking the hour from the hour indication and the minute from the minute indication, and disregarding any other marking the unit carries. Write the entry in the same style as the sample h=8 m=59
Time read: h=7 m=56
